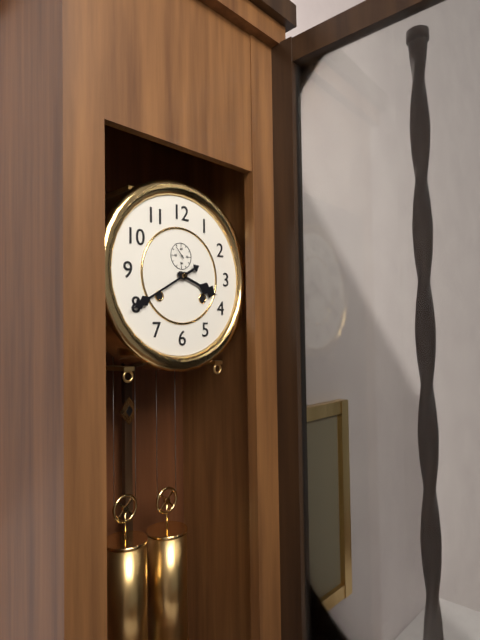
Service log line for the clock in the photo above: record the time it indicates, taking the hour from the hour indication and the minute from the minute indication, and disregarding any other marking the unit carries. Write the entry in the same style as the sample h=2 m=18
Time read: h=3 m=40
